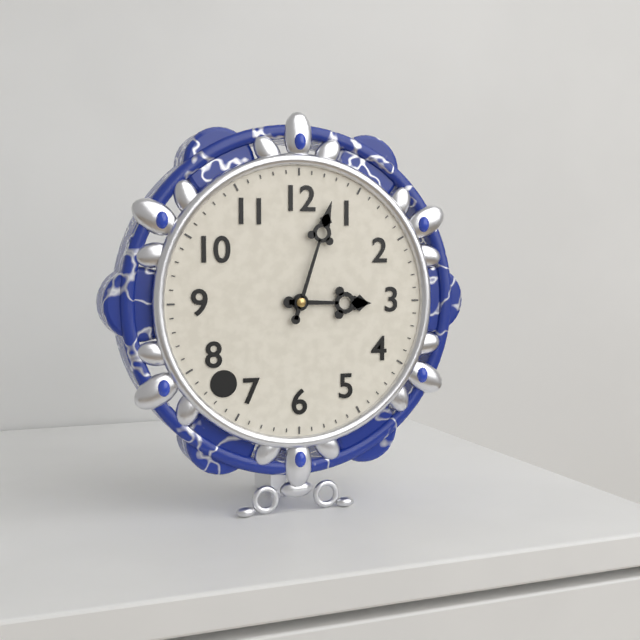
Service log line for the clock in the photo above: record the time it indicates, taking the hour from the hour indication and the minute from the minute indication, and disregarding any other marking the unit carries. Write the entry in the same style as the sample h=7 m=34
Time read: h=3 m=3
